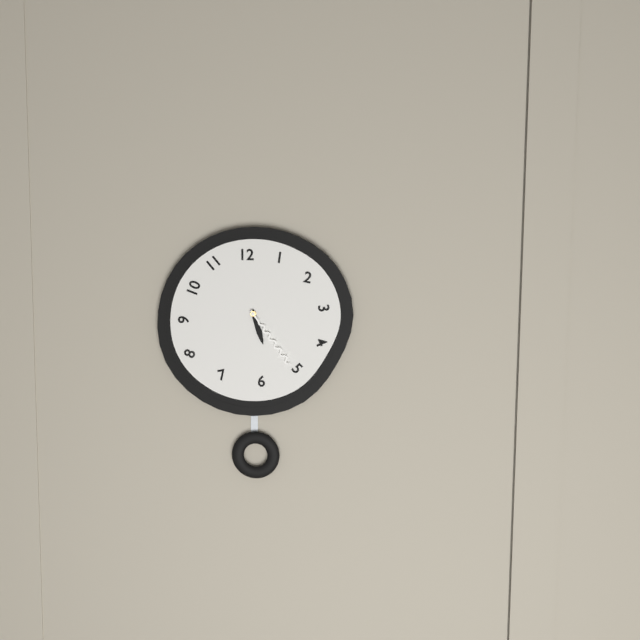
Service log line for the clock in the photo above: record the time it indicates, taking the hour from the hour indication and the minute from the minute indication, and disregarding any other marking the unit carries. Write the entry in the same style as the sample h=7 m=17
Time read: h=5 m=24
